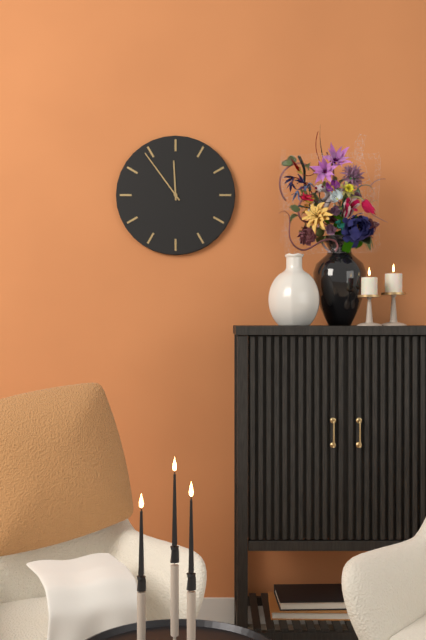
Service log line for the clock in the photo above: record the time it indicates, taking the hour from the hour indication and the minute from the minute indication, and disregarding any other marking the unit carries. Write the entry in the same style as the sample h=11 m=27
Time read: h=11 m=54
